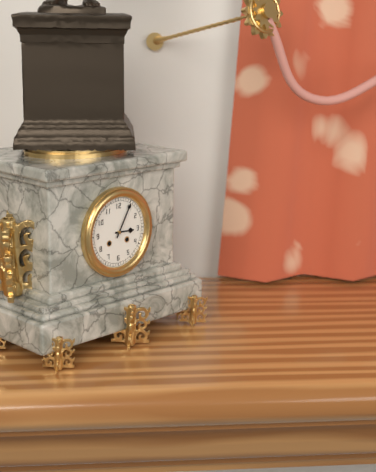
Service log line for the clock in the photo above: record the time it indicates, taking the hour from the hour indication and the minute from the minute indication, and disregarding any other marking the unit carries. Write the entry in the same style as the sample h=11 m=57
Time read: h=3 m=5
